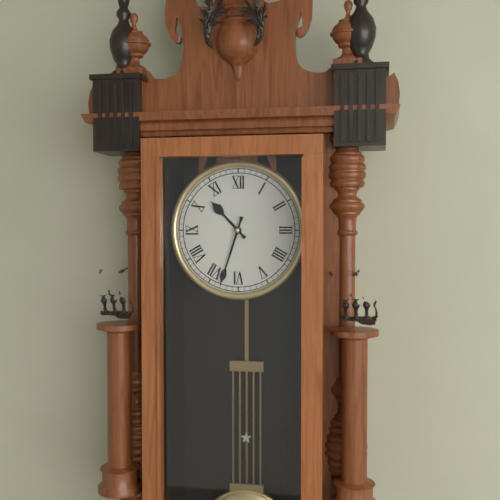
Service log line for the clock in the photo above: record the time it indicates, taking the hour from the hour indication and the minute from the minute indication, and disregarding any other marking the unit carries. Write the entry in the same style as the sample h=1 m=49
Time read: h=10 m=33
